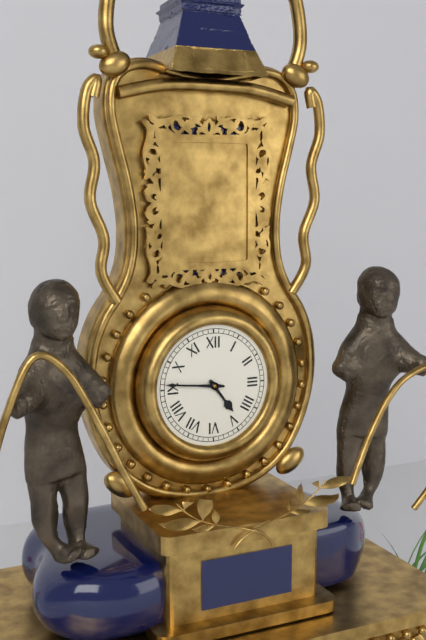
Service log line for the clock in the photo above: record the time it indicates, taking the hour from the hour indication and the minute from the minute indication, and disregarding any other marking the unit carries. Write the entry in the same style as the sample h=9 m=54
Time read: h=4 m=46
